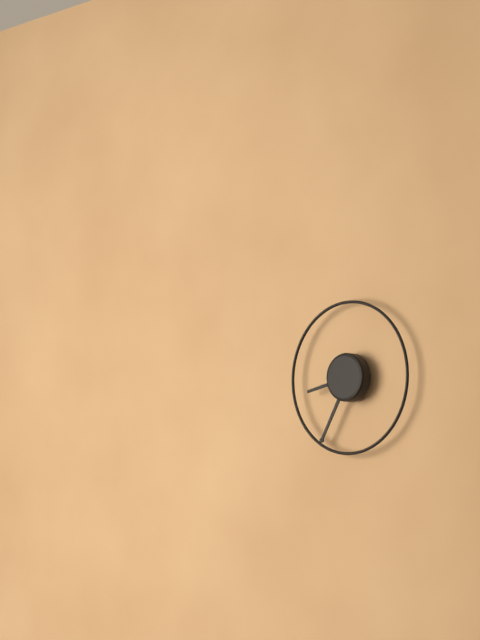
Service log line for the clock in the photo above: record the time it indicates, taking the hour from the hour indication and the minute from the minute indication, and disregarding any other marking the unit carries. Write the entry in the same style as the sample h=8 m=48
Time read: h=8 m=35
